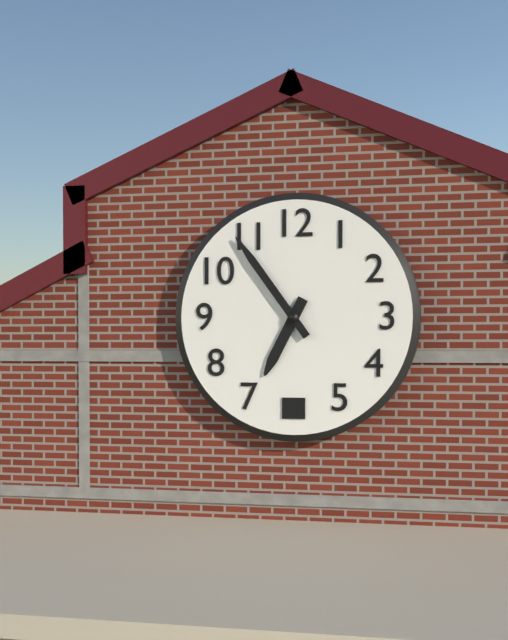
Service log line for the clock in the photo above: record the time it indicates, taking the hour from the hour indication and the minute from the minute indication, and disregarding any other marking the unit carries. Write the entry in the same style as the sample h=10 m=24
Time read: h=6 m=54
